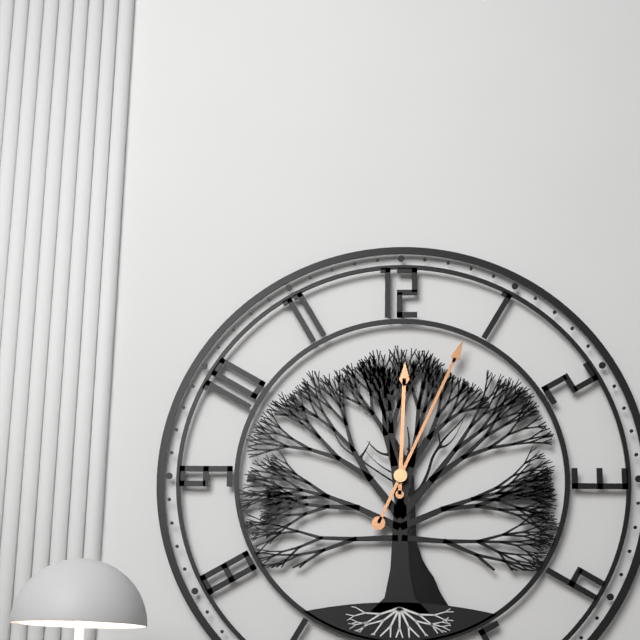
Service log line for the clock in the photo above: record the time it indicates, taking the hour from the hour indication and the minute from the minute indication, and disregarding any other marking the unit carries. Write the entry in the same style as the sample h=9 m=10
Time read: h=12 m=4
